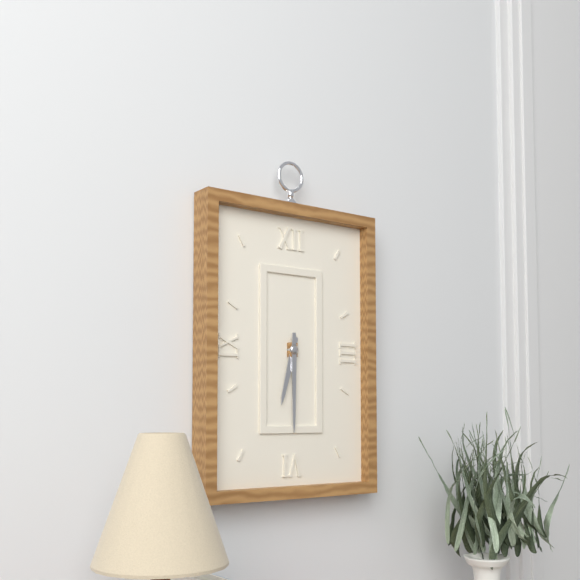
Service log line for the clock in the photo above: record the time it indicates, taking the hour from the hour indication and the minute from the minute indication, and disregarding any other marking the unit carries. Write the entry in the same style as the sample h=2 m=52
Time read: h=6 m=30
